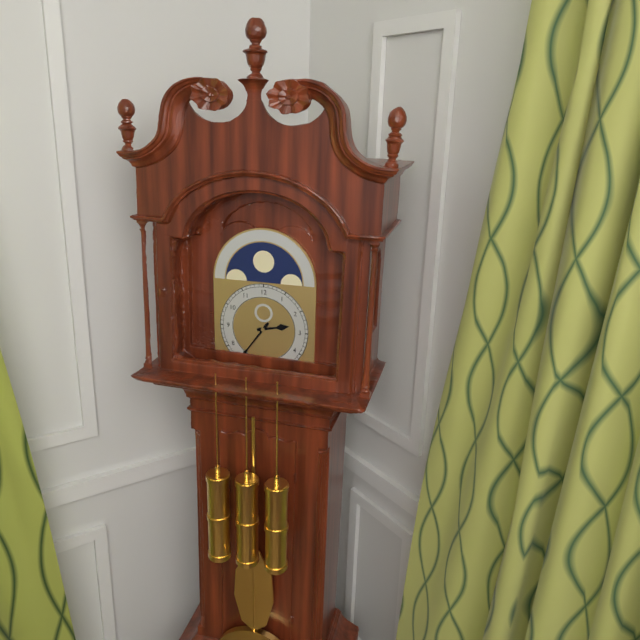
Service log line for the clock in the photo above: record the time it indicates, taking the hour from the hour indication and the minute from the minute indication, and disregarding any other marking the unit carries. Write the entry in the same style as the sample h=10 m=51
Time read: h=2 m=36
